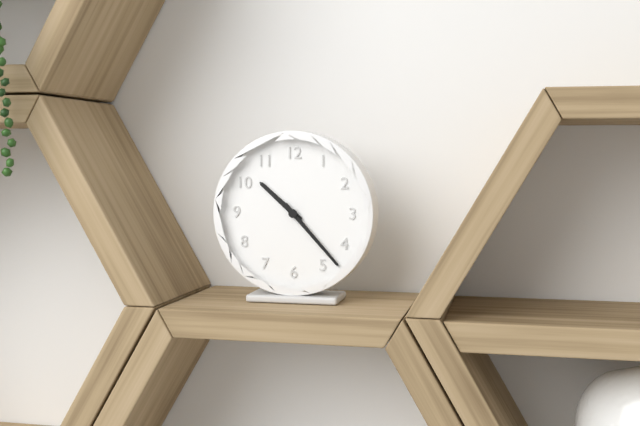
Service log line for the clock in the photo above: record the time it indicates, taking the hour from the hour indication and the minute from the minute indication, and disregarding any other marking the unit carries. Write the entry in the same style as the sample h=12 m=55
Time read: h=10 m=23
